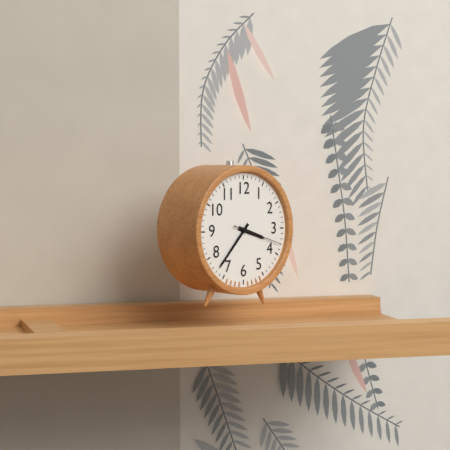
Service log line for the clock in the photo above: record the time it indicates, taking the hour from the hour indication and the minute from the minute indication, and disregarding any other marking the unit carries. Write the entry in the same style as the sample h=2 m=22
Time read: h=3 m=37
